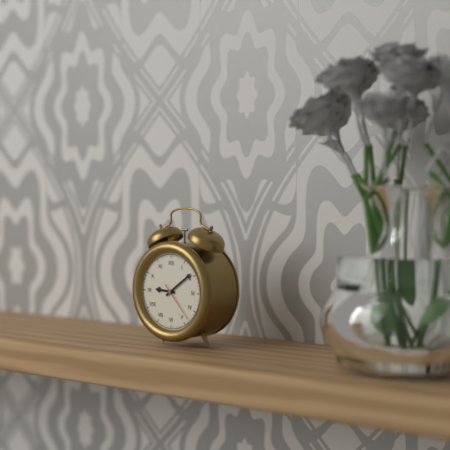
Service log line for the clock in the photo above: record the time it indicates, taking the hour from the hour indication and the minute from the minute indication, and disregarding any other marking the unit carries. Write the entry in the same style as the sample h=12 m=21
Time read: h=9 m=9
